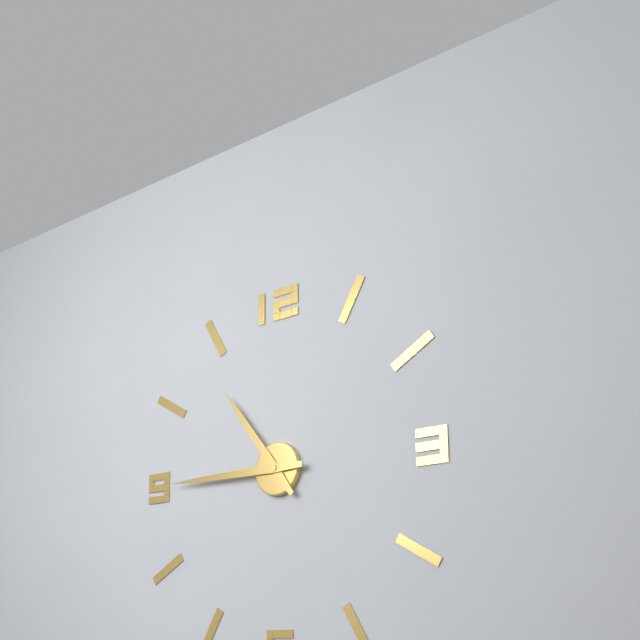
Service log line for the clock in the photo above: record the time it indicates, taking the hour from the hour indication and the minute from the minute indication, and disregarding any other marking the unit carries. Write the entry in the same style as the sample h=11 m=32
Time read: h=10 m=45
